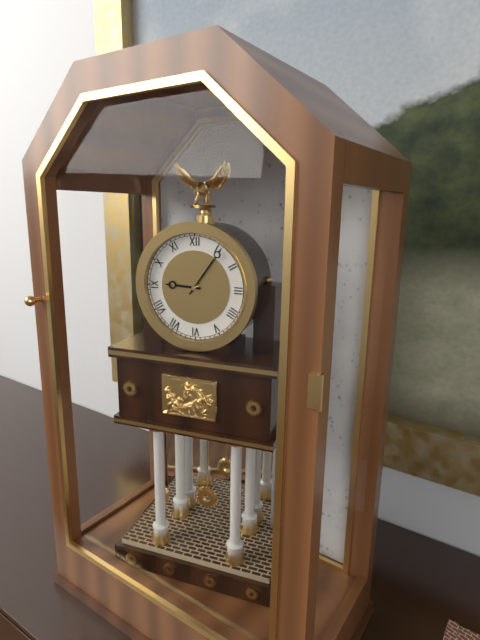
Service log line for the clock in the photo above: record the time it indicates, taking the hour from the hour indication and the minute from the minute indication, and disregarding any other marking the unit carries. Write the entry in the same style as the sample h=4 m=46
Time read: h=9 m=6
